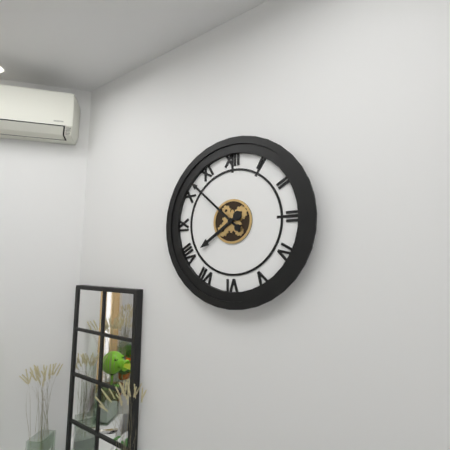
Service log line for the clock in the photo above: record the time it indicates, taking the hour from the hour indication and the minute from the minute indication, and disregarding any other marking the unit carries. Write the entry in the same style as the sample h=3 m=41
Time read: h=7 m=52
